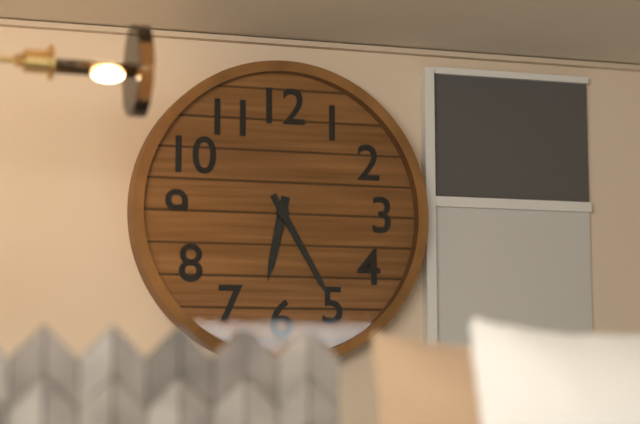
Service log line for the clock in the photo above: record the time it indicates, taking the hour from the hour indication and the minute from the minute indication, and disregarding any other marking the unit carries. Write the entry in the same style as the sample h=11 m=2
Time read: h=6 m=25
